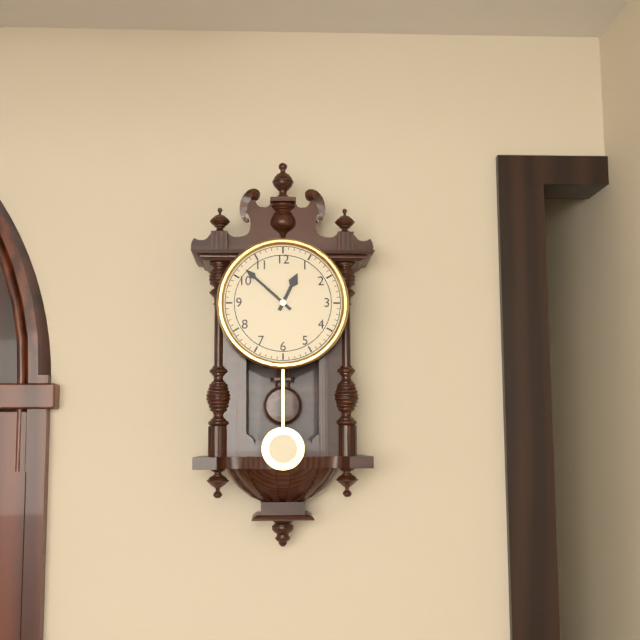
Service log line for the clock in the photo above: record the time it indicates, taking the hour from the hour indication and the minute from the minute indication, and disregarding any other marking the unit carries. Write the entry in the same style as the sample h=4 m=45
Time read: h=12 m=52
